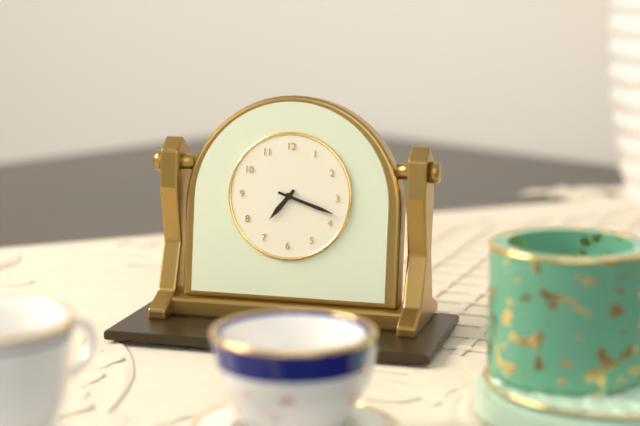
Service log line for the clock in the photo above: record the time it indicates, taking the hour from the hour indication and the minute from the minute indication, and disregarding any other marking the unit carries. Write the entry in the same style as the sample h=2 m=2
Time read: h=7 m=18
